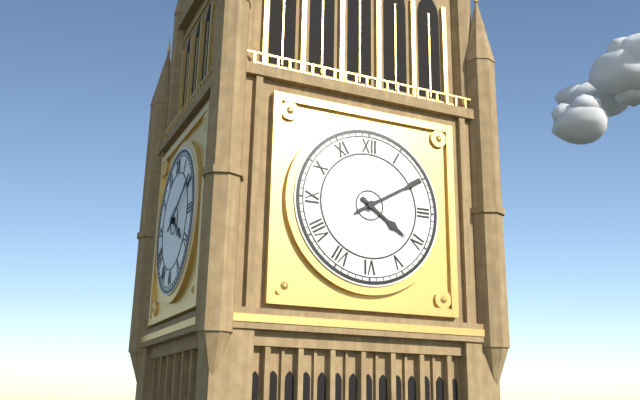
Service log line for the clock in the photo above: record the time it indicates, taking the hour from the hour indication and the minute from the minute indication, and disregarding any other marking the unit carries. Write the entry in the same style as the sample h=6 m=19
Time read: h=4 m=10
